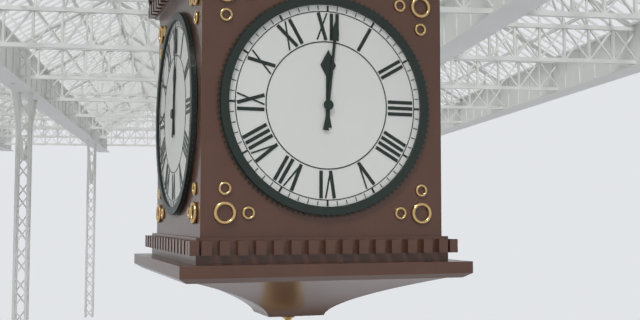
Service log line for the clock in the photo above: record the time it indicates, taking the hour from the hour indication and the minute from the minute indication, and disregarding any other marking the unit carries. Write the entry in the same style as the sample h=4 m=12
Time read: h=12 m=1
